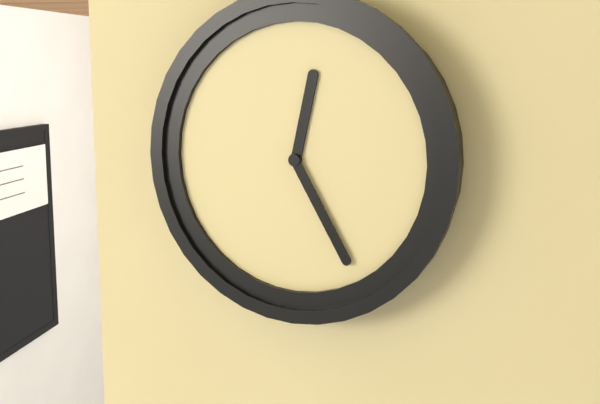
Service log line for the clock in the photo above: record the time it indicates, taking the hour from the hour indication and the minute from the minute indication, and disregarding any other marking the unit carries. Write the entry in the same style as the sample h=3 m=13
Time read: h=12 m=25
